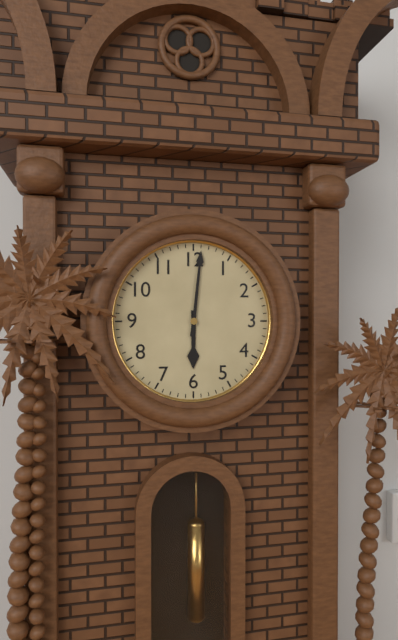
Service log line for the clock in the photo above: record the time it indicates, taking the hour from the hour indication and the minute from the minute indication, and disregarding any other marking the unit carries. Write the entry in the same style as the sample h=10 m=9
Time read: h=6 m=1
